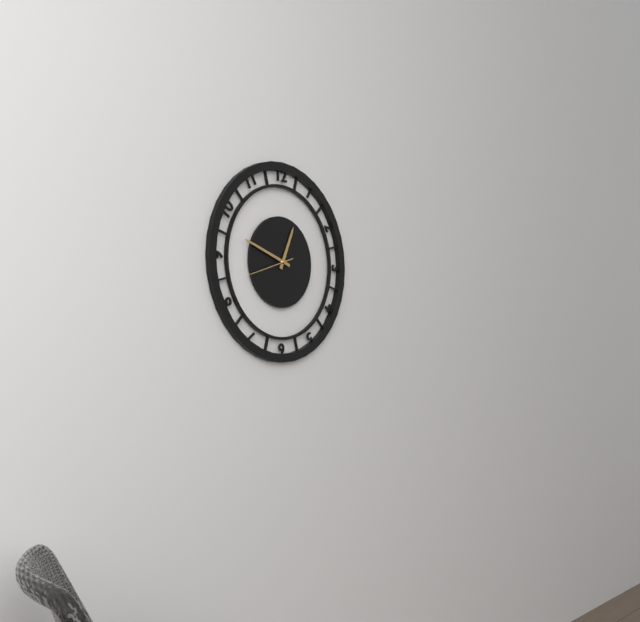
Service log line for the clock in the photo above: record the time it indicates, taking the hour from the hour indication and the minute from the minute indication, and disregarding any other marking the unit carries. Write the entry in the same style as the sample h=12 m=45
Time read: h=12 m=48
